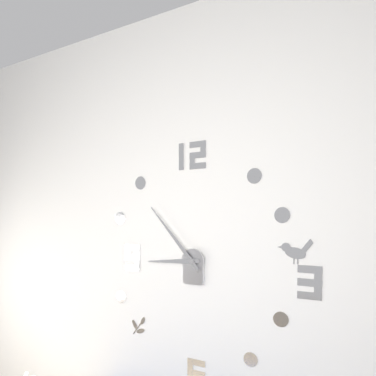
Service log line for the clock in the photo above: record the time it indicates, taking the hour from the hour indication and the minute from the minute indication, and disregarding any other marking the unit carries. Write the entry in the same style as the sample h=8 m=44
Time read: h=8 m=53
